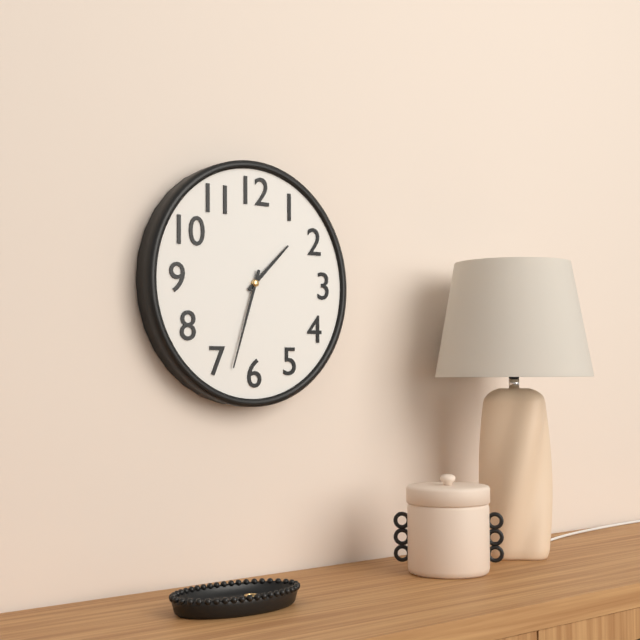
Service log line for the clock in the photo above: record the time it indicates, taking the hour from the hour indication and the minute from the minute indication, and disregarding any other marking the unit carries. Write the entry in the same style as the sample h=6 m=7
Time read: h=1 m=33
